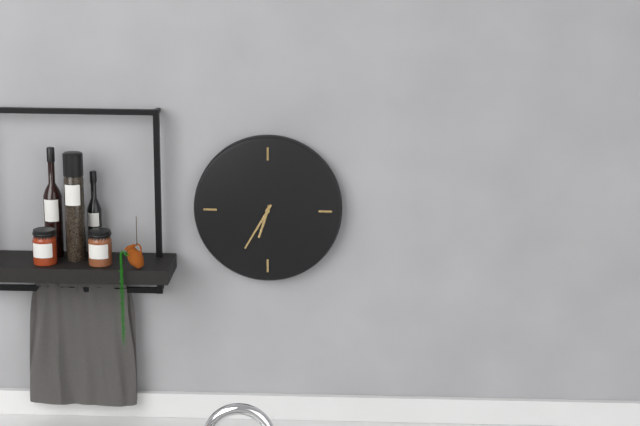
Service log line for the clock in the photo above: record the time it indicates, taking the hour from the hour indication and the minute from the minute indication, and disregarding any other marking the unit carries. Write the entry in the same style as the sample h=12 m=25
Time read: h=6 m=35
